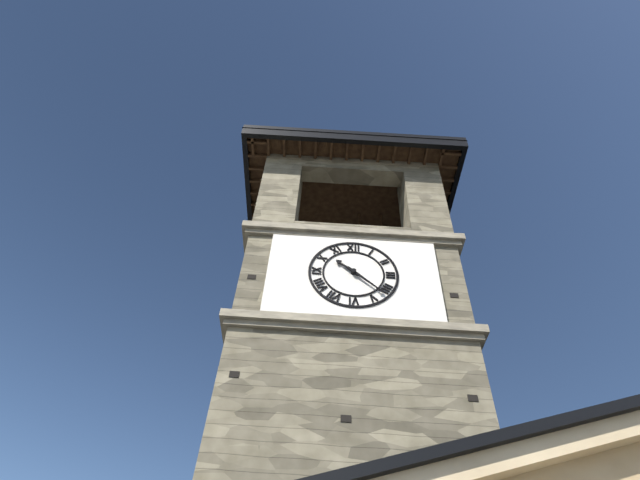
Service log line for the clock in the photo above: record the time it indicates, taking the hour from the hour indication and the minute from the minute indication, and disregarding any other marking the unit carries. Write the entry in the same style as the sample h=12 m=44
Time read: h=10 m=22
